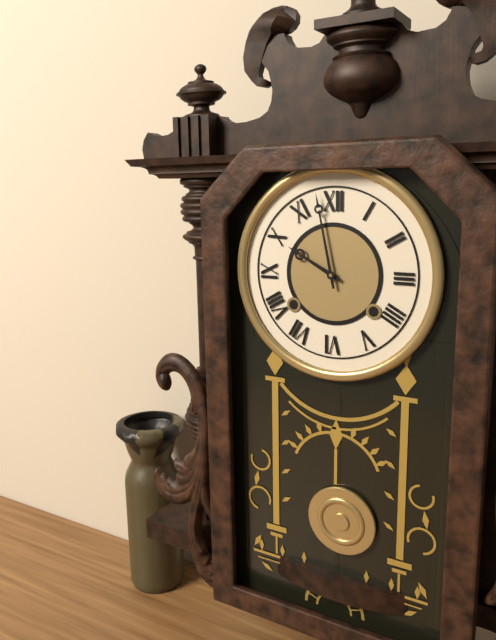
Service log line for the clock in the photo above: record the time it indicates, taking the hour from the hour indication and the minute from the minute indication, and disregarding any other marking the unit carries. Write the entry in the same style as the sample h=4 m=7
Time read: h=9 m=58
